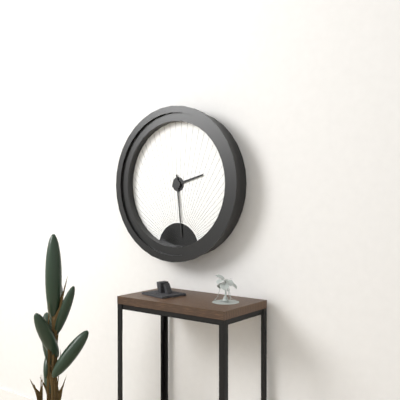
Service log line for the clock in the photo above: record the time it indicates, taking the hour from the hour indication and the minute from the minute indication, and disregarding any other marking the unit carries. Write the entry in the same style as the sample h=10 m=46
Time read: h=2 m=29
